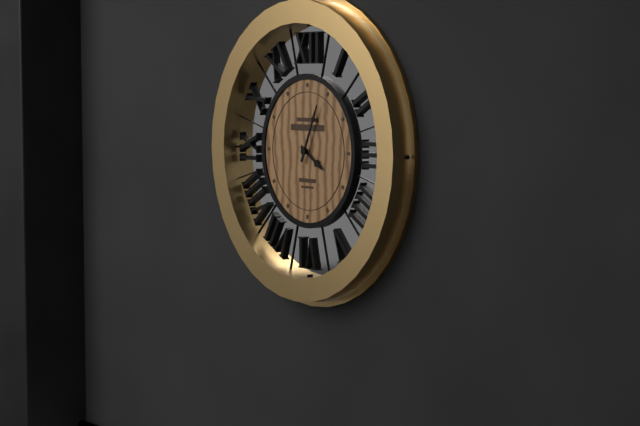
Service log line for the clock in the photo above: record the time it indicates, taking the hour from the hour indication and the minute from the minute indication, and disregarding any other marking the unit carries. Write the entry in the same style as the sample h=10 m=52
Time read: h=4 m=4
